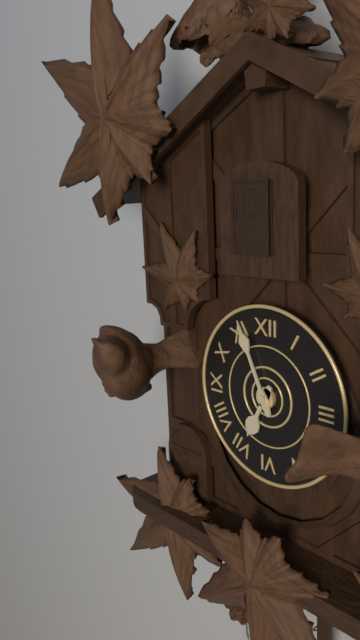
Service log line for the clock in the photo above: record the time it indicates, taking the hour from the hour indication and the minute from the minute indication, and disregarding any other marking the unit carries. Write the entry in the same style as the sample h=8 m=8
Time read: h=6 m=56
